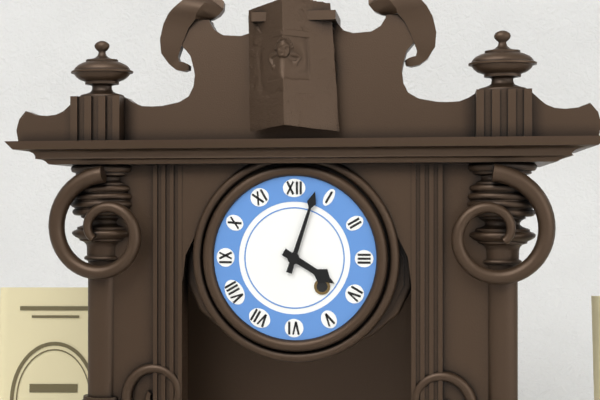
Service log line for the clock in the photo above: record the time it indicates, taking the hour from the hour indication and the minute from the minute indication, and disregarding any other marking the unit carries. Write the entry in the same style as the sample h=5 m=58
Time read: h=4 m=3
